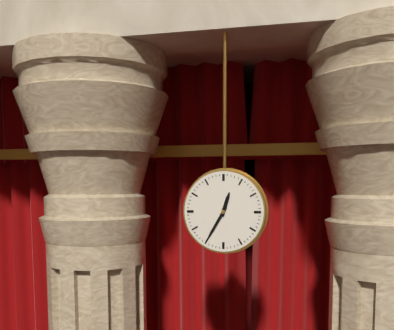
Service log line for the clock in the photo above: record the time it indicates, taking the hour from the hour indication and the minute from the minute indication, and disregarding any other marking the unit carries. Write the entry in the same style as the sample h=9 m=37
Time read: h=12 m=35
